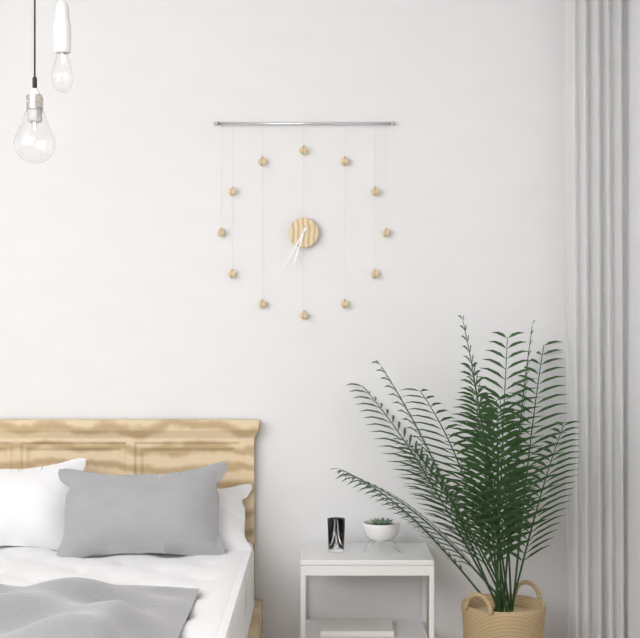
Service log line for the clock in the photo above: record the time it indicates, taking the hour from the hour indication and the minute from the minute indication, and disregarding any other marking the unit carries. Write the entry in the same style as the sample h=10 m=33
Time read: h=6 m=35
